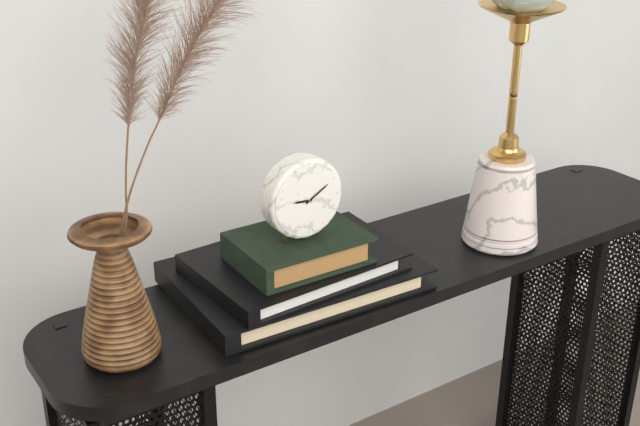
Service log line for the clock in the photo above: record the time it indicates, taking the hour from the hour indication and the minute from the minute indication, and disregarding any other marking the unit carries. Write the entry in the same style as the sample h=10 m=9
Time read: h=9 m=10
